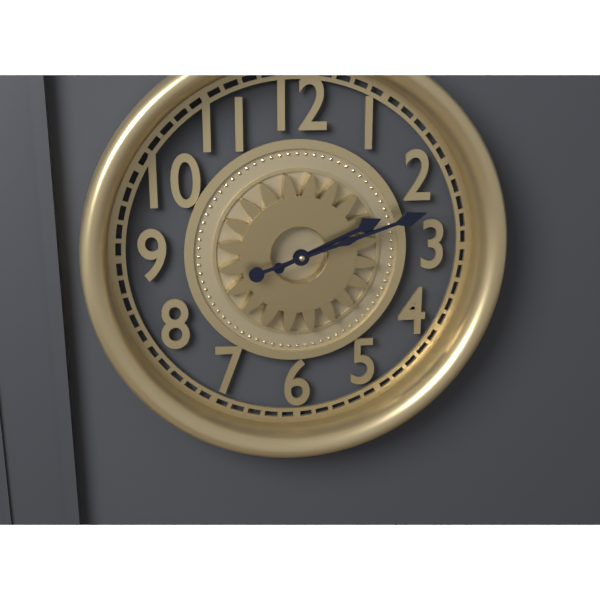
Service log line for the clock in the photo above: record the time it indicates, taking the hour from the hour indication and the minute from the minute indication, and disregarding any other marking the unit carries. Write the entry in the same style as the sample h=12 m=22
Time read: h=2 m=12
